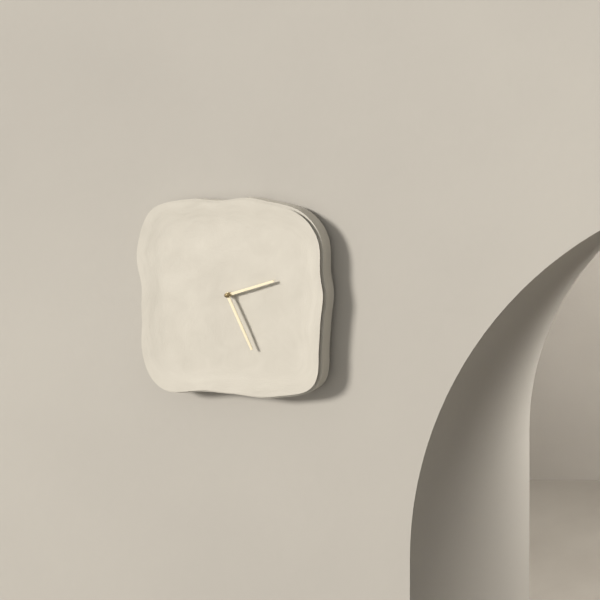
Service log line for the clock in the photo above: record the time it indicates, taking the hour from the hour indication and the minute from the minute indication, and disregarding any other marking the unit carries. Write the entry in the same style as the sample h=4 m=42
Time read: h=2 m=26
